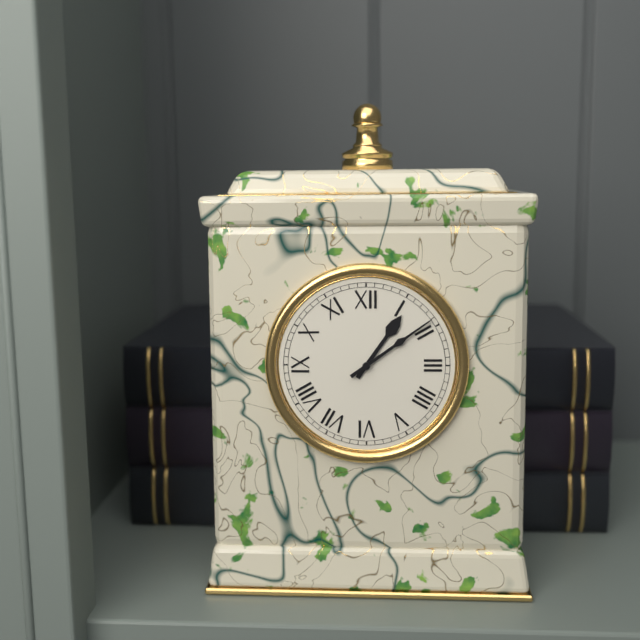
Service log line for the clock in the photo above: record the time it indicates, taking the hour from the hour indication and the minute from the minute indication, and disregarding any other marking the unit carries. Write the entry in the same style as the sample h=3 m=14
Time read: h=1 m=9
